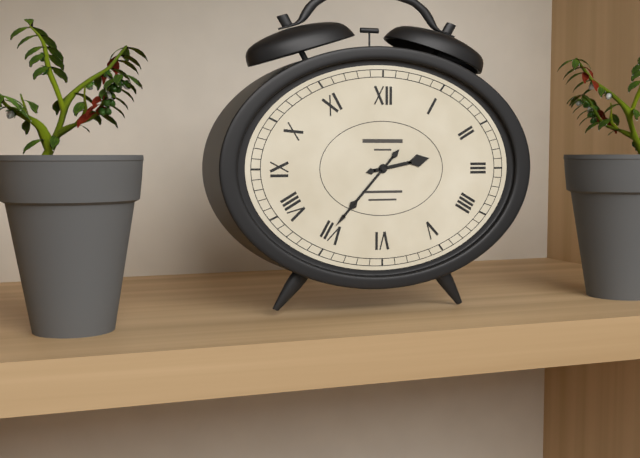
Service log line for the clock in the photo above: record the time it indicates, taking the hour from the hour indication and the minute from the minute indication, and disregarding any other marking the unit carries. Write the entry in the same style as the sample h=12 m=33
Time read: h=2 m=37
